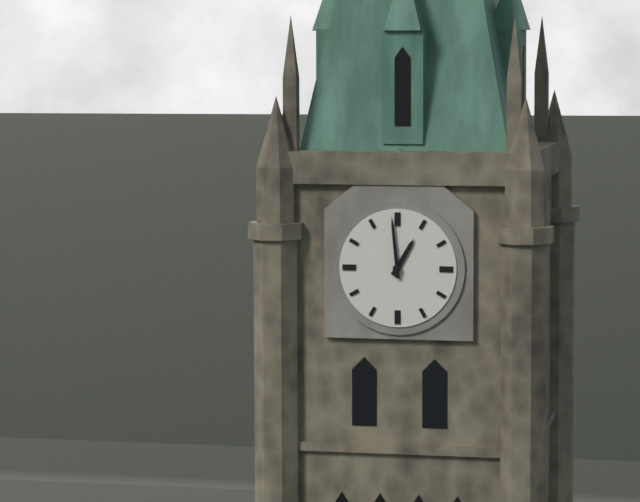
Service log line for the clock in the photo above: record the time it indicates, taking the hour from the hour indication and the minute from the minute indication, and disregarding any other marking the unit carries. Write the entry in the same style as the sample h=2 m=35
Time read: h=12 m=59
